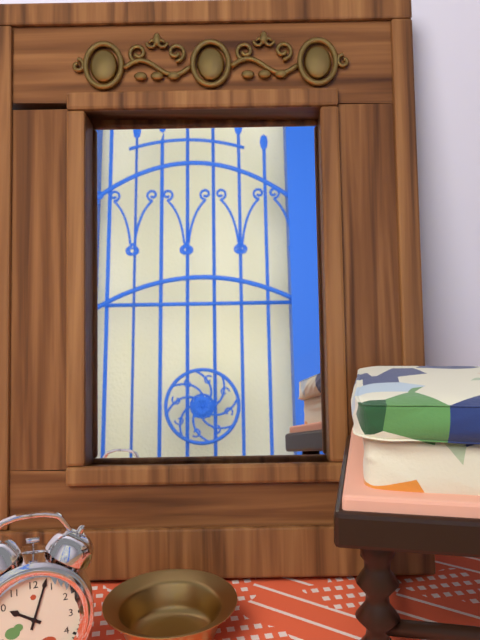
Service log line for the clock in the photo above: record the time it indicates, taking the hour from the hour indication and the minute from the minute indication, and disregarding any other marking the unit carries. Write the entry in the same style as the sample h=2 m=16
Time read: h=10 m=3
